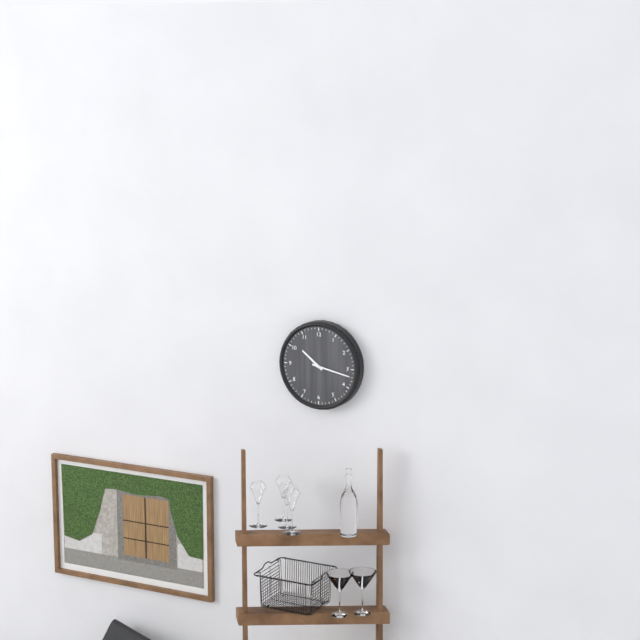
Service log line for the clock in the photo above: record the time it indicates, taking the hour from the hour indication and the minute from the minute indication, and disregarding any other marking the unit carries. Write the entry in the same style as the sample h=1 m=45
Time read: h=10 m=17
